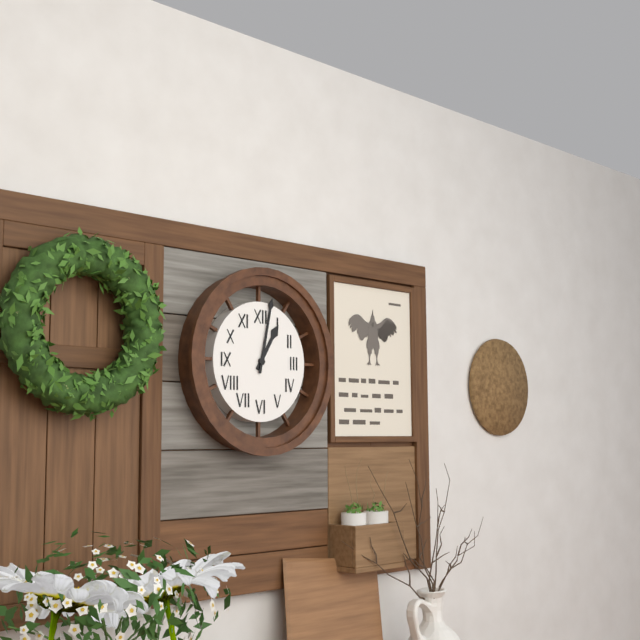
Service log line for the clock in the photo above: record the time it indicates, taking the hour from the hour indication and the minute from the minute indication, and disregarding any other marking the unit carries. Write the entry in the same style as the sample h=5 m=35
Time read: h=1 m=2
